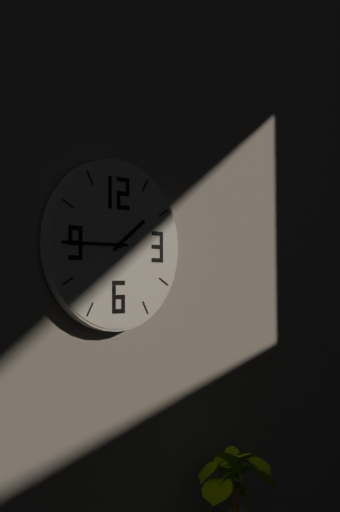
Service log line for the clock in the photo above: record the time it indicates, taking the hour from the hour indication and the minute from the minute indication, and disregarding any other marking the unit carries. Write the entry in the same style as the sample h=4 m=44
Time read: h=1 m=45
